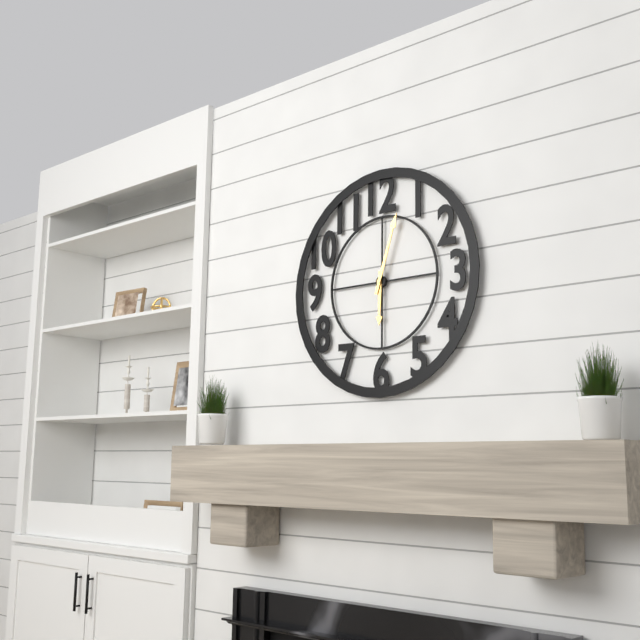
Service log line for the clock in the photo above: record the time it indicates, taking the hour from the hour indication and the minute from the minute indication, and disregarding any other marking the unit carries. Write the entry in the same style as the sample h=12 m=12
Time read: h=6 m=3
